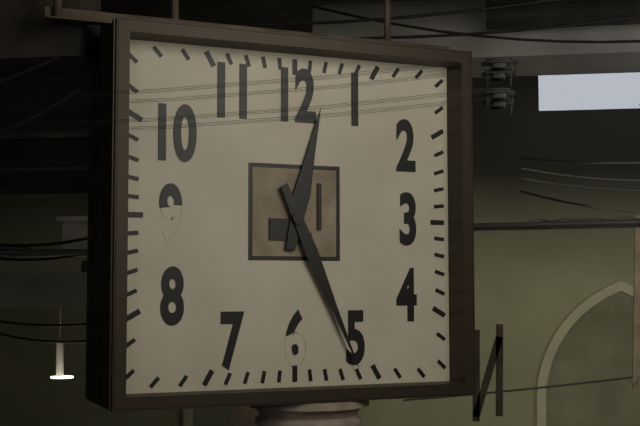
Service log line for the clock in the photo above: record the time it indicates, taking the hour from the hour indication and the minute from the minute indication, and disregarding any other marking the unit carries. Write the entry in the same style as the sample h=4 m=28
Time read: h=12 m=26
